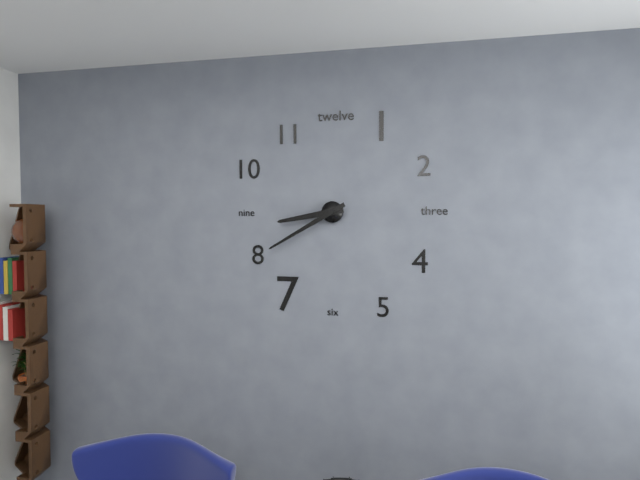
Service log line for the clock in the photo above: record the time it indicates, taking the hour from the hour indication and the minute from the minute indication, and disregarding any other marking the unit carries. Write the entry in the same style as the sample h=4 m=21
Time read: h=8 m=40
